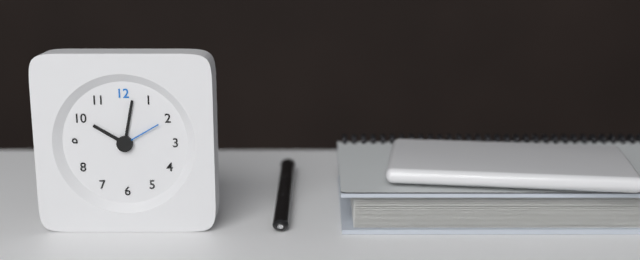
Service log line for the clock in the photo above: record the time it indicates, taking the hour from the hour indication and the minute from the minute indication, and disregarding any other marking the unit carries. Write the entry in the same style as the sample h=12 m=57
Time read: h=10 m=2
